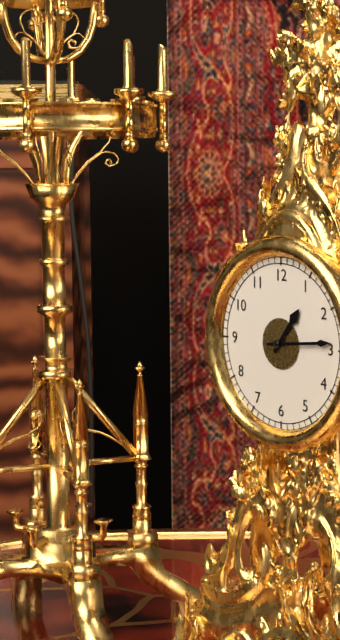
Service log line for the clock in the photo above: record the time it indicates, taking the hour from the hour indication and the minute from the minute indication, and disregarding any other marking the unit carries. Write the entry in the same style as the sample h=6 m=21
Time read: h=1 m=14
